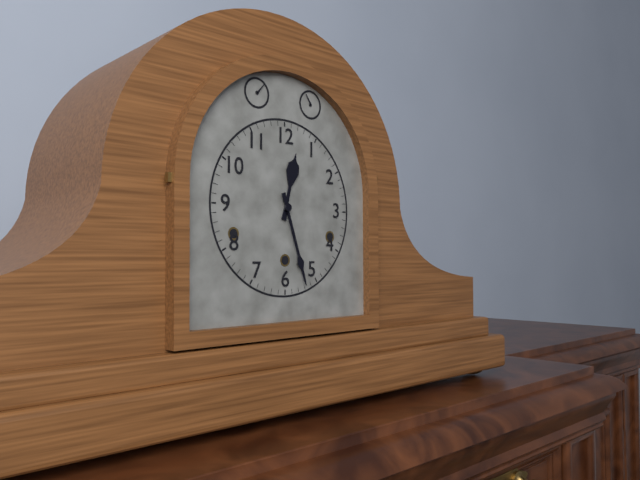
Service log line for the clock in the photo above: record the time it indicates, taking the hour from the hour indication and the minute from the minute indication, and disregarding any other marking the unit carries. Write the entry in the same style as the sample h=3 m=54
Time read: h=12 m=27
